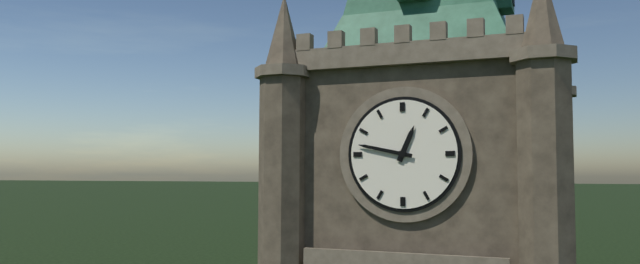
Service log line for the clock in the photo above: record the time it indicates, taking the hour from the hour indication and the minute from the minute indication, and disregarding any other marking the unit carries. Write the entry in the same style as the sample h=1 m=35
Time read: h=12 m=47
